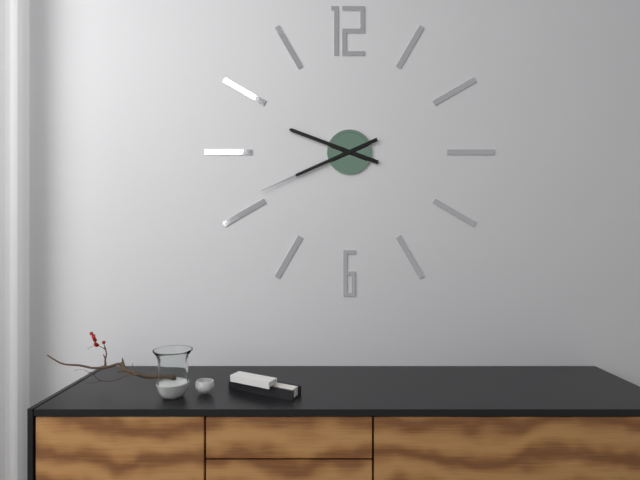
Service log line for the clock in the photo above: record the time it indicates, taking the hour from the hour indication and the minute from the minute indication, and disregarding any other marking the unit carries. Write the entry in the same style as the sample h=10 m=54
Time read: h=9 m=41
